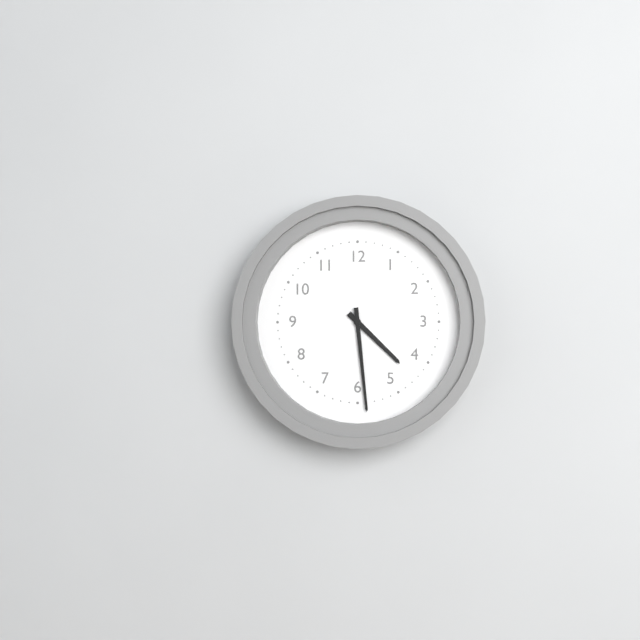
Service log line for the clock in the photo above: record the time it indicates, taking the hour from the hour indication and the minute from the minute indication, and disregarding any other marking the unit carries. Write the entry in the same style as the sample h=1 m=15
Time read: h=4 m=29
